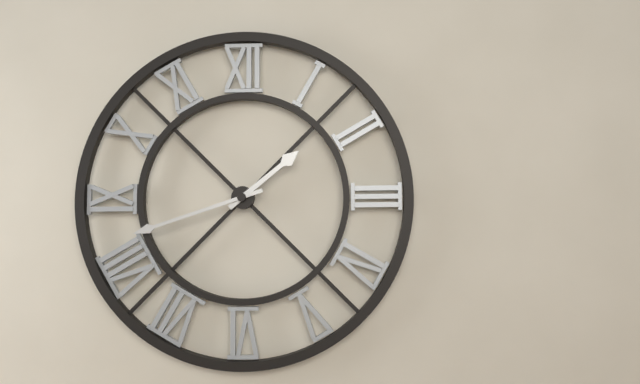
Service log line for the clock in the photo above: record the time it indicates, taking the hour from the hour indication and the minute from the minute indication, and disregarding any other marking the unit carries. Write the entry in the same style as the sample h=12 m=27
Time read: h=1 m=42
